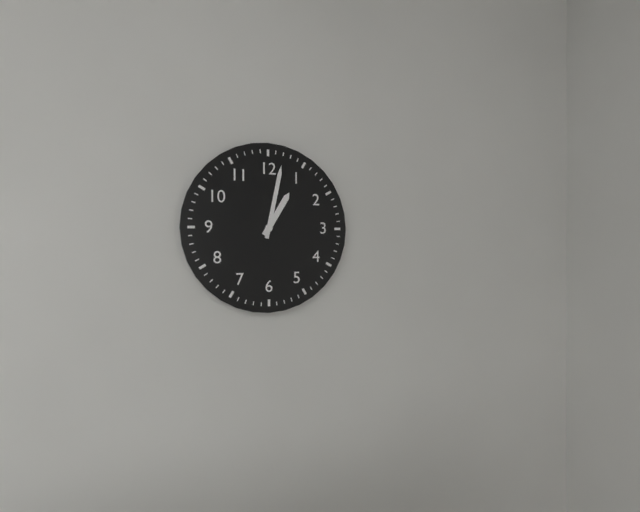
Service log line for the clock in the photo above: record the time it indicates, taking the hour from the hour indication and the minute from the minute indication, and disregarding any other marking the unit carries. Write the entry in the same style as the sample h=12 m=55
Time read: h=1 m=2
